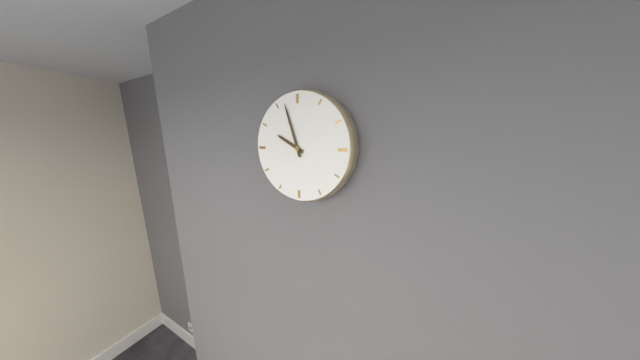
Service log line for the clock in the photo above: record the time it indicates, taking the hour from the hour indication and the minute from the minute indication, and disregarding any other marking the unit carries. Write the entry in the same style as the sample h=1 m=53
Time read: h=9 m=57
